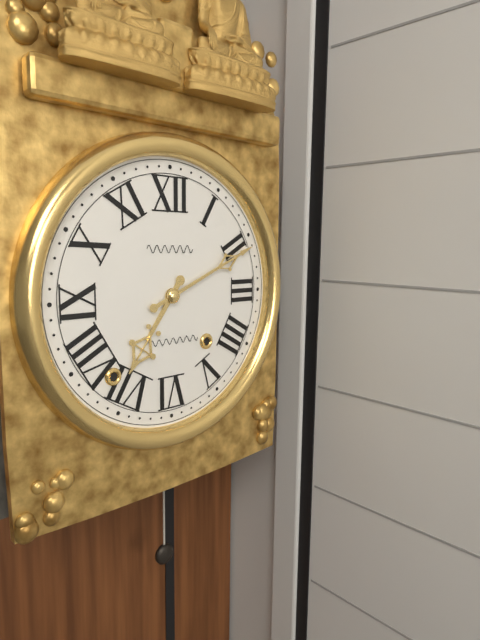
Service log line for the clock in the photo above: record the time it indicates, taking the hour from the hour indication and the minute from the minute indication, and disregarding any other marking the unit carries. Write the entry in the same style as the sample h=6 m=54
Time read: h=7 m=11
